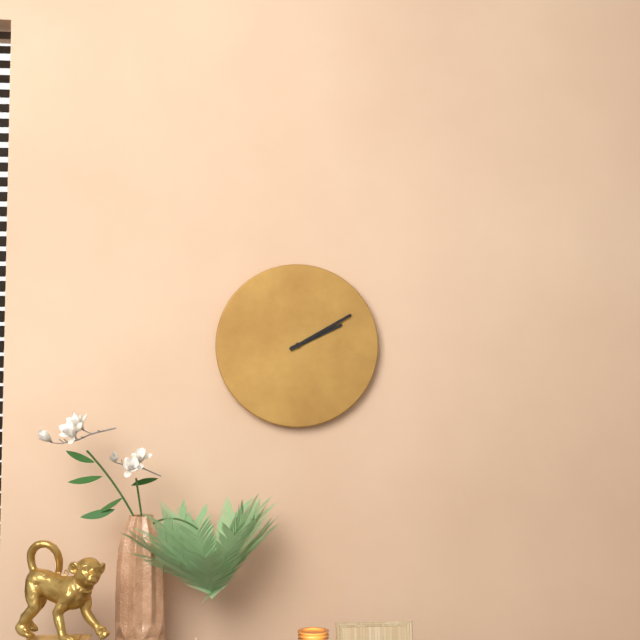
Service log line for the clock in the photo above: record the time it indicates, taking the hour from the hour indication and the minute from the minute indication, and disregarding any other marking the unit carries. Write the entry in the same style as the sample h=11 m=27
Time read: h=2 m=10
